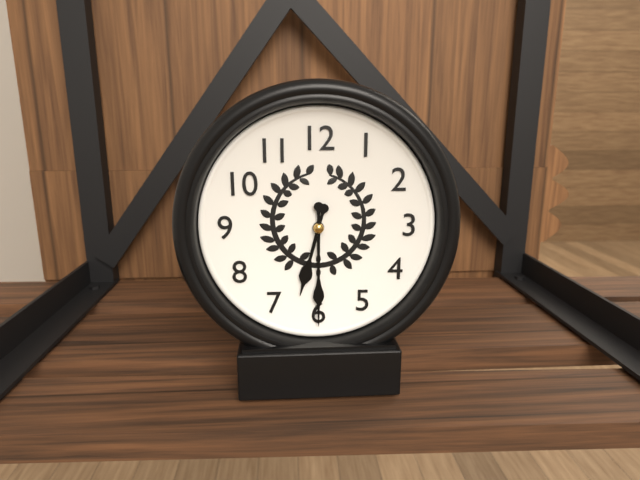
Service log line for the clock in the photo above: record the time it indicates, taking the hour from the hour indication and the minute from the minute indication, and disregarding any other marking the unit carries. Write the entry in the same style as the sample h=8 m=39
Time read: h=6 m=30
